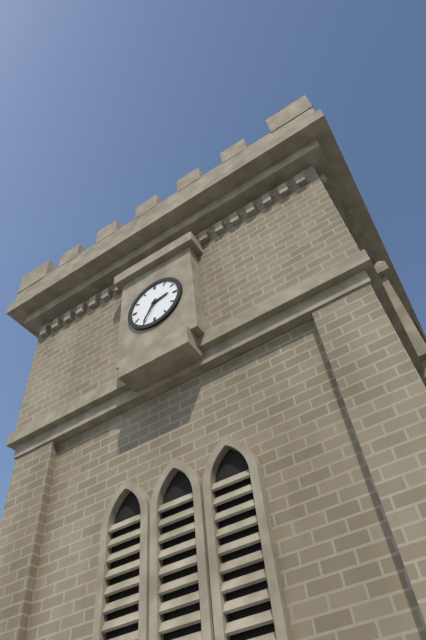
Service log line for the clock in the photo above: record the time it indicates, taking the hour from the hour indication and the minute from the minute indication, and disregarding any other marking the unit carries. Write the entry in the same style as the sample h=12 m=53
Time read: h=2 m=35
